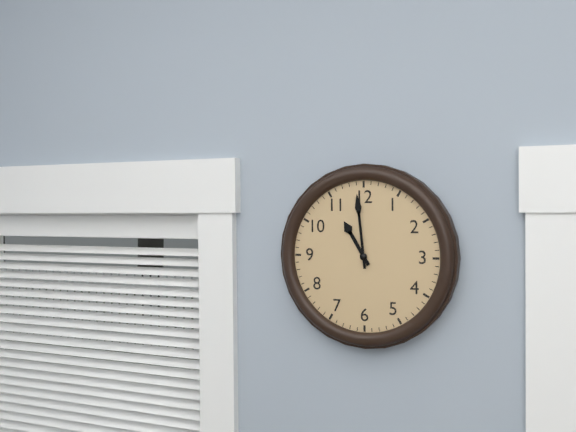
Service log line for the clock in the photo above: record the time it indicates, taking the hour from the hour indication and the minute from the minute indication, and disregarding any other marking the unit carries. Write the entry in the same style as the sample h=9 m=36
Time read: h=10 m=59
